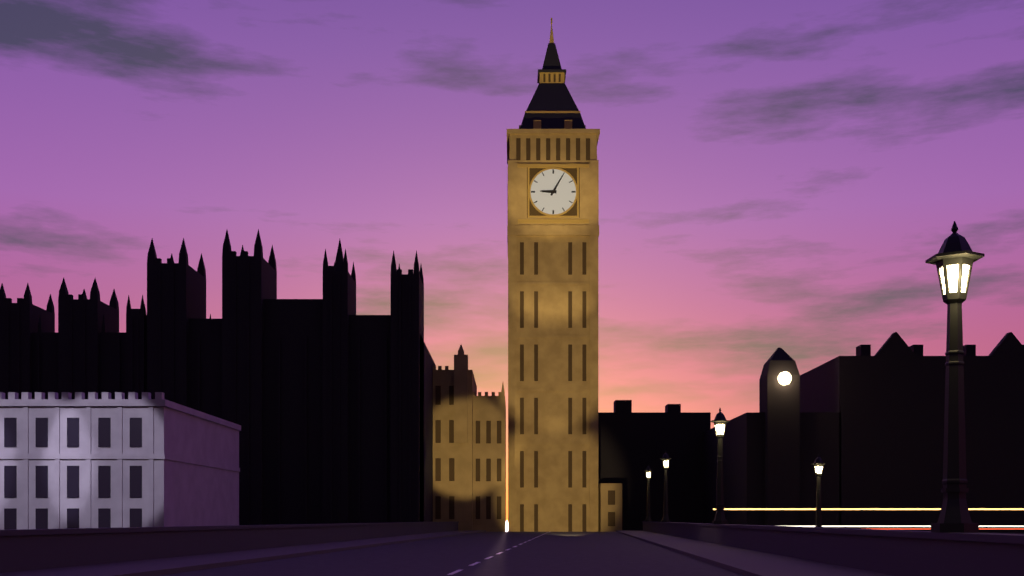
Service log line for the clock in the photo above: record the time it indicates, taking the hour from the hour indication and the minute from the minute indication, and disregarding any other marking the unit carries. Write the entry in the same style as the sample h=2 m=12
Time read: h=9 m=5
